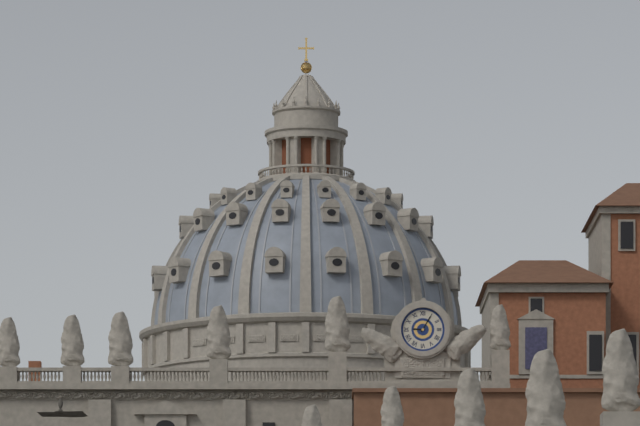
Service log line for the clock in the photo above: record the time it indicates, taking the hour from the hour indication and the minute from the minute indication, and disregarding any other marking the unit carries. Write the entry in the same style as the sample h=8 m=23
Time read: h=9 m=5
